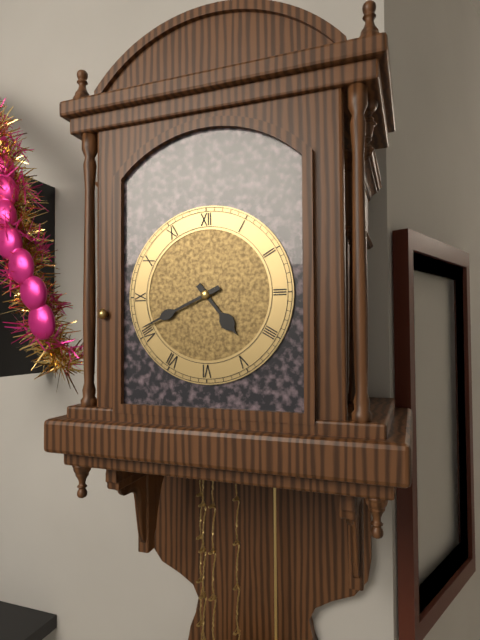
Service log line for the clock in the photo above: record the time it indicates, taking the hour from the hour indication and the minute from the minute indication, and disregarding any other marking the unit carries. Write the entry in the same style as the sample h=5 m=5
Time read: h=4 m=41
